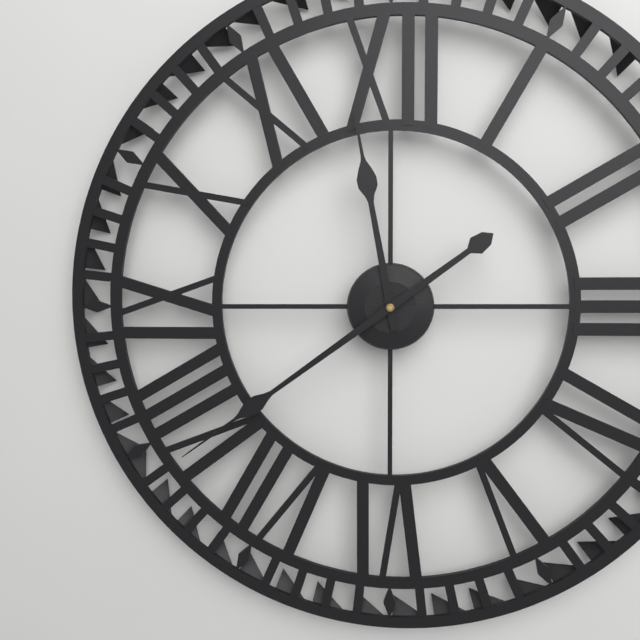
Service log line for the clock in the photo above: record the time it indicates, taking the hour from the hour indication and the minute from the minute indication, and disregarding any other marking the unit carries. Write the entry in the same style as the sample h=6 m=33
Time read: h=11 m=39
